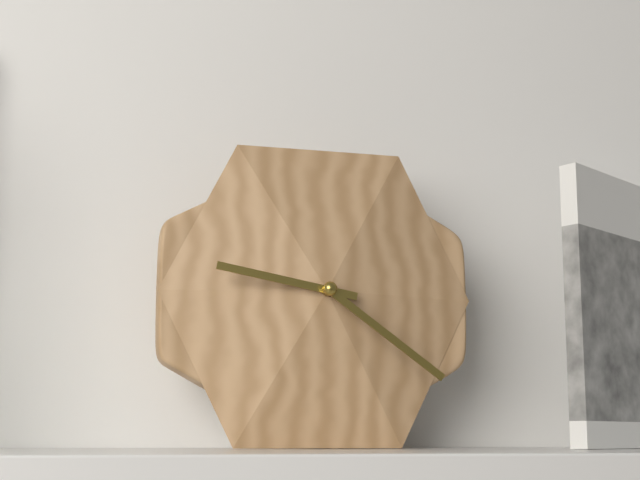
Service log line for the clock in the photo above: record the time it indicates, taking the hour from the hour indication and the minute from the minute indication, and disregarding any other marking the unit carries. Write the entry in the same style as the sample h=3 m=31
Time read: h=9 m=21
